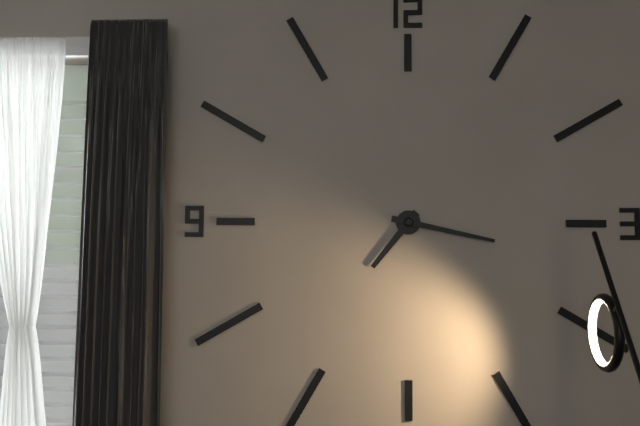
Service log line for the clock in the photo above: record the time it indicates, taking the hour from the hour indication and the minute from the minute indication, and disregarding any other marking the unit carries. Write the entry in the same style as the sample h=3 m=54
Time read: h=7 m=17
